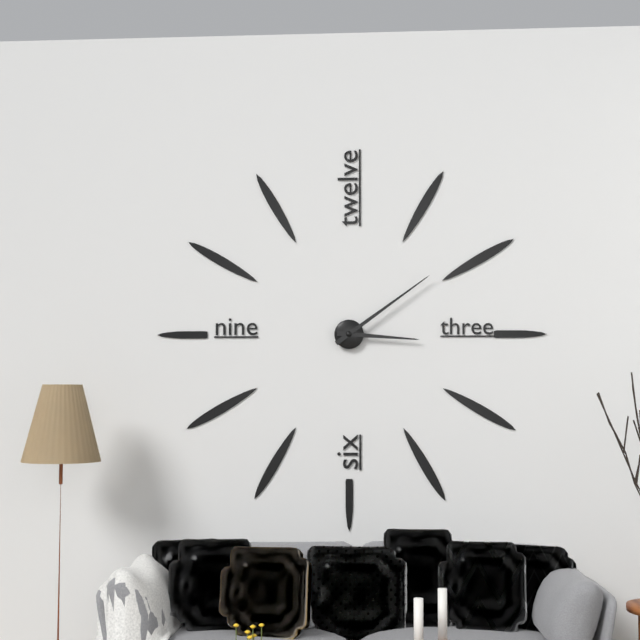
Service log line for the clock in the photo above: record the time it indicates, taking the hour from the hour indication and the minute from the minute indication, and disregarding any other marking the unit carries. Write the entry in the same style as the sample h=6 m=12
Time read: h=3 m=9
